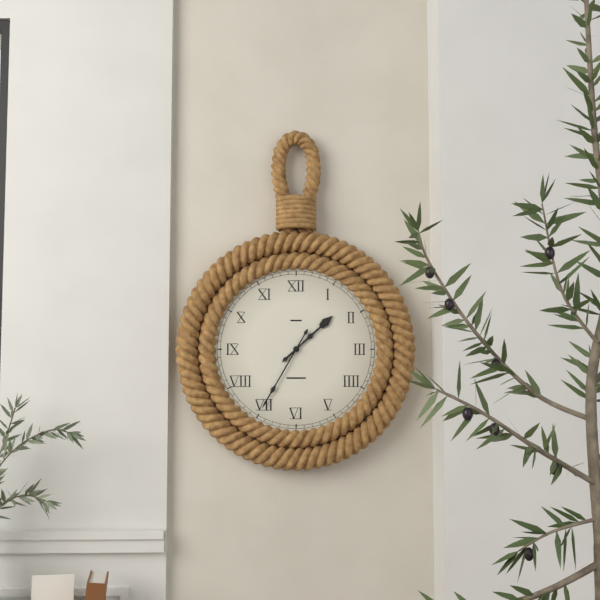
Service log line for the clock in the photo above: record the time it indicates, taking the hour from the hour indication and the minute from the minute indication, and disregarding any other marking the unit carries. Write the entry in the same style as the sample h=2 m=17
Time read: h=1 m=35
